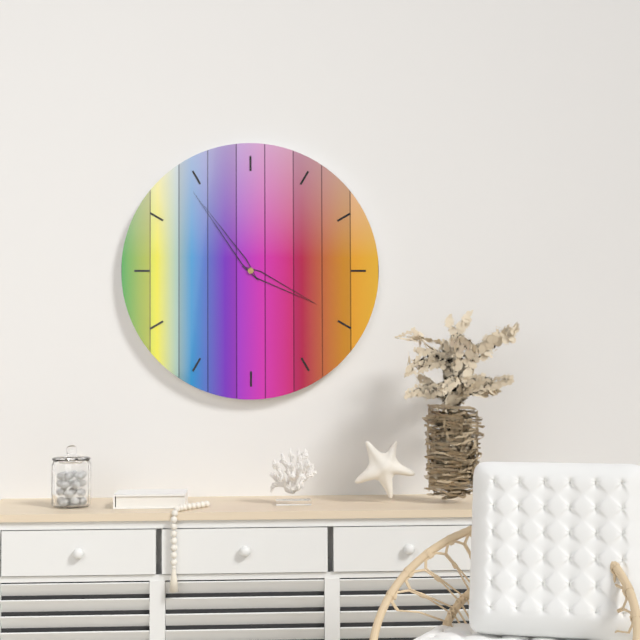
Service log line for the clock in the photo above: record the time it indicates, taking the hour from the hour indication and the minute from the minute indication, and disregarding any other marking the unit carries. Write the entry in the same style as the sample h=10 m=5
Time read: h=3 m=54
